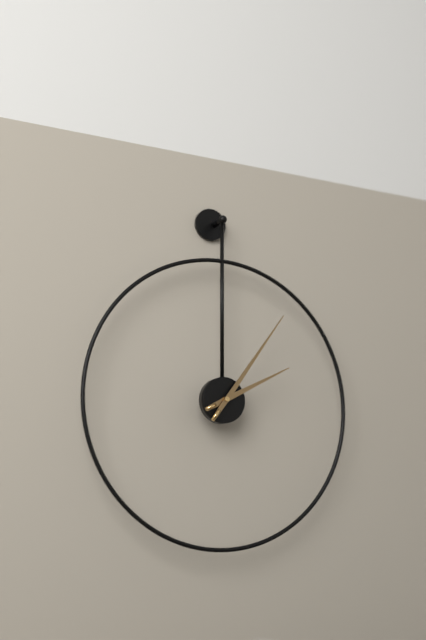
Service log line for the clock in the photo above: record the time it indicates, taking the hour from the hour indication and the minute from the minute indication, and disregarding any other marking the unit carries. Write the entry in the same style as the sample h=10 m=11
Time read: h=2 m=6
